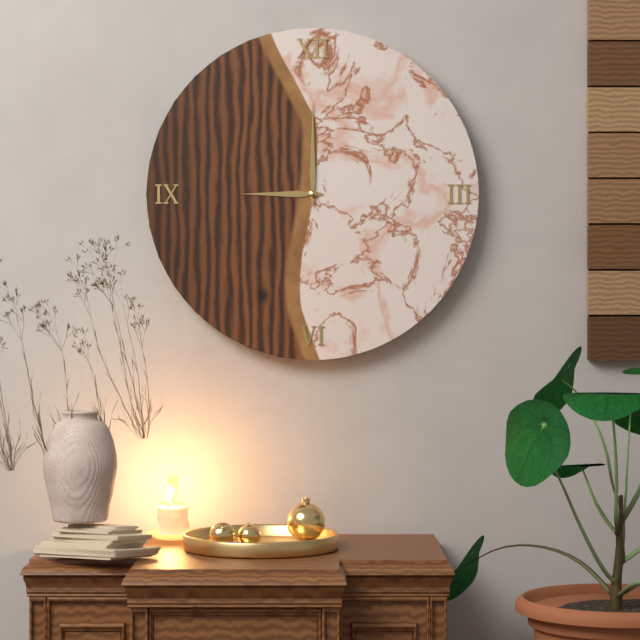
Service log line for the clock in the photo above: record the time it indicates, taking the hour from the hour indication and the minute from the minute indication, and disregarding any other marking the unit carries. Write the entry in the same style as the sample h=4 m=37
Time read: h=9 m=0
